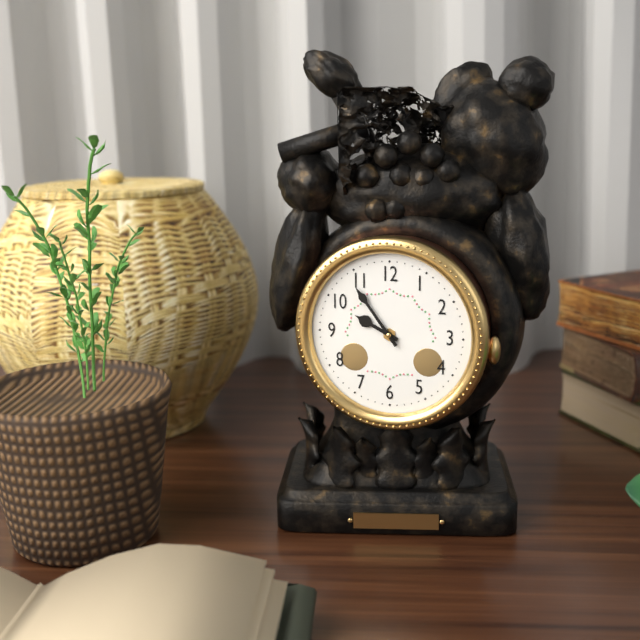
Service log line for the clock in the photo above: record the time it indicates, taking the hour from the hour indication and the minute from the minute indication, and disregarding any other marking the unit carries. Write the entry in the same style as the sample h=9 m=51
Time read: h=9 m=54
